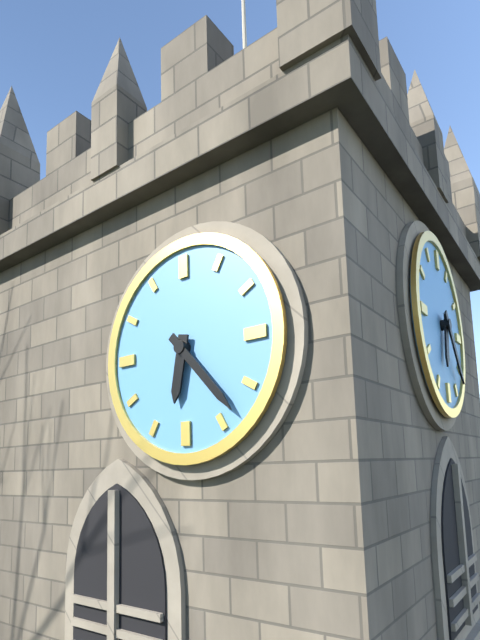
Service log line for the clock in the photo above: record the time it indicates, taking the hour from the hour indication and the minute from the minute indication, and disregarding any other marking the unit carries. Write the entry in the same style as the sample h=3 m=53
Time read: h=6 m=23
